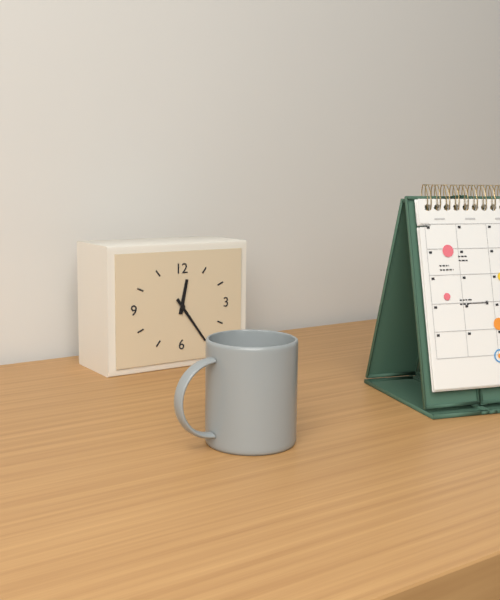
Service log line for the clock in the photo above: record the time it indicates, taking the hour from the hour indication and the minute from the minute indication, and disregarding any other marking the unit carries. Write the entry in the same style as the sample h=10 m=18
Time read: h=12 m=24
